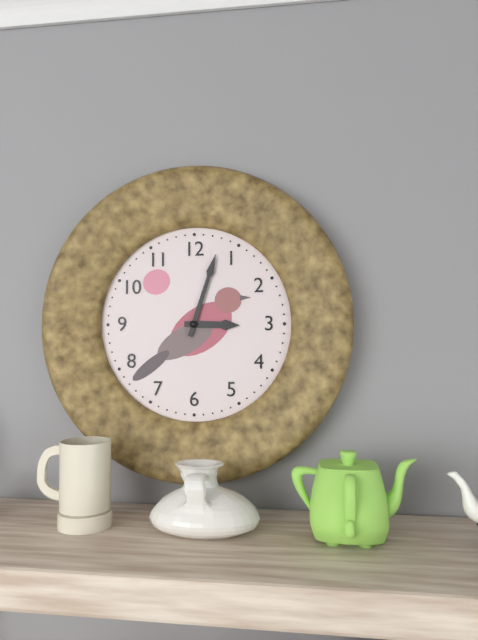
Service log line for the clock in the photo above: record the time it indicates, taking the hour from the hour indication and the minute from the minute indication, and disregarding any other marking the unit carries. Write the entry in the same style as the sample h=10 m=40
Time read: h=3 m=3
